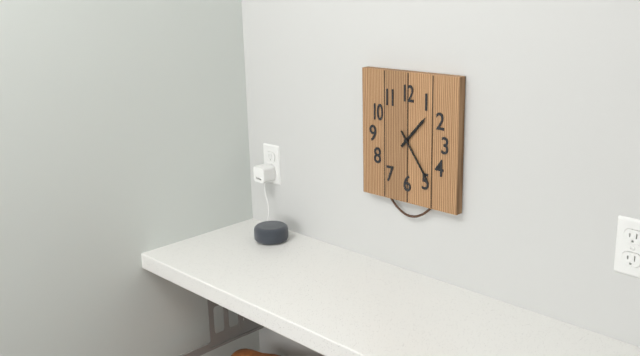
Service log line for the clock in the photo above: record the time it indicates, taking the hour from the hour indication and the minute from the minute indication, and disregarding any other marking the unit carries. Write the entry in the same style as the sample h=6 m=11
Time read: h=1 m=24
